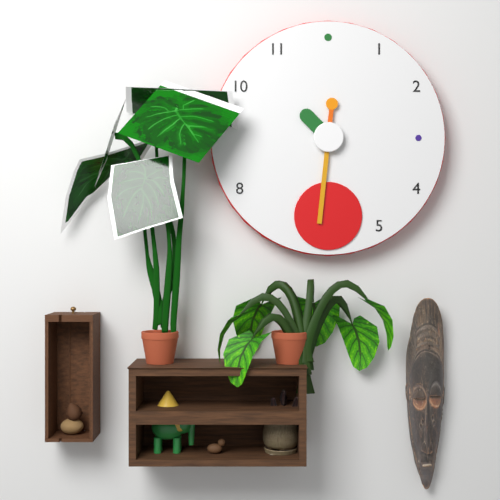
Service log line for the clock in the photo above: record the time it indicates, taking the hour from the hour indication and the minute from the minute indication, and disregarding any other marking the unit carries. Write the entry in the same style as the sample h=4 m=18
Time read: h=10 m=31
